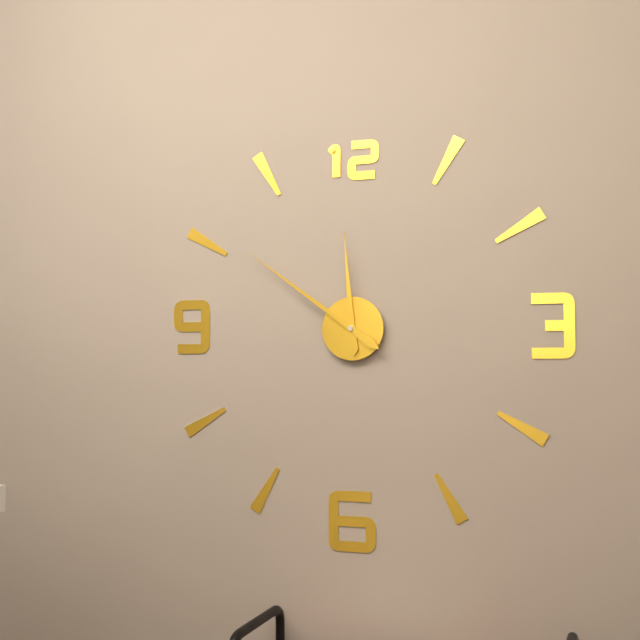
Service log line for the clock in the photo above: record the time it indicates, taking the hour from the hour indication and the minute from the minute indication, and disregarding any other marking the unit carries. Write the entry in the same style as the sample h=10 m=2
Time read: h=11 m=51
